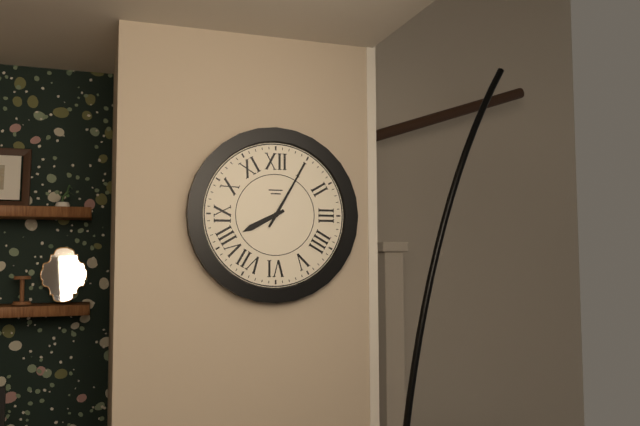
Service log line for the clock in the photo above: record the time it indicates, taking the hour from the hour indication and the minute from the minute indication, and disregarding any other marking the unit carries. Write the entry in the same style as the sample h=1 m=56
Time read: h=8 m=5
